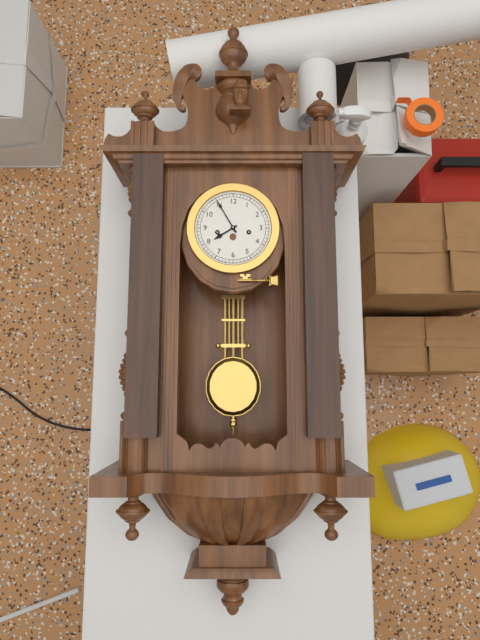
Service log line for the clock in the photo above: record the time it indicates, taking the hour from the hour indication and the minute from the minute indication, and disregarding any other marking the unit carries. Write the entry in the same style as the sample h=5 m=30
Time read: h=7 m=55
